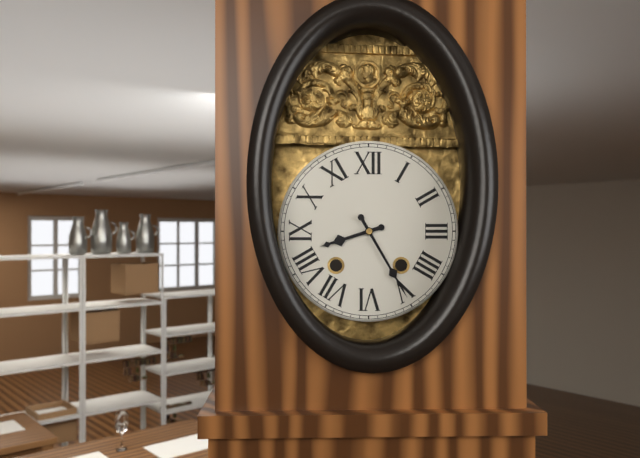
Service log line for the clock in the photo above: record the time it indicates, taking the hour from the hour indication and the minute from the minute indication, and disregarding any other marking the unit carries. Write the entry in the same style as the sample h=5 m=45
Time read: h=8 m=25
